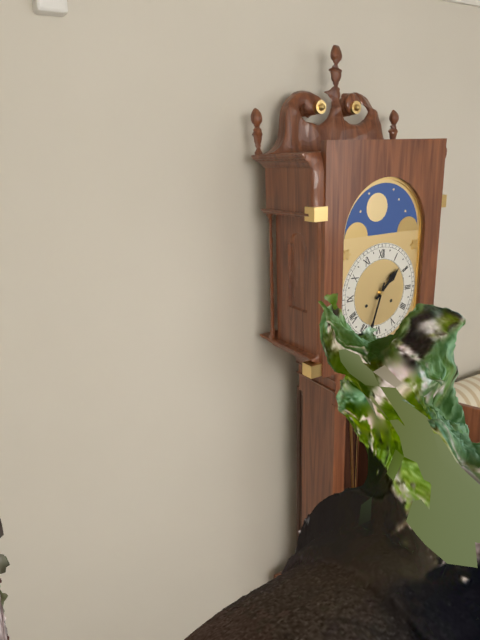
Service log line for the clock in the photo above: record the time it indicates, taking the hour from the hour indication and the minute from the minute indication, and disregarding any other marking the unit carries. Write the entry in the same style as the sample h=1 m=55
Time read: h=1 m=33
